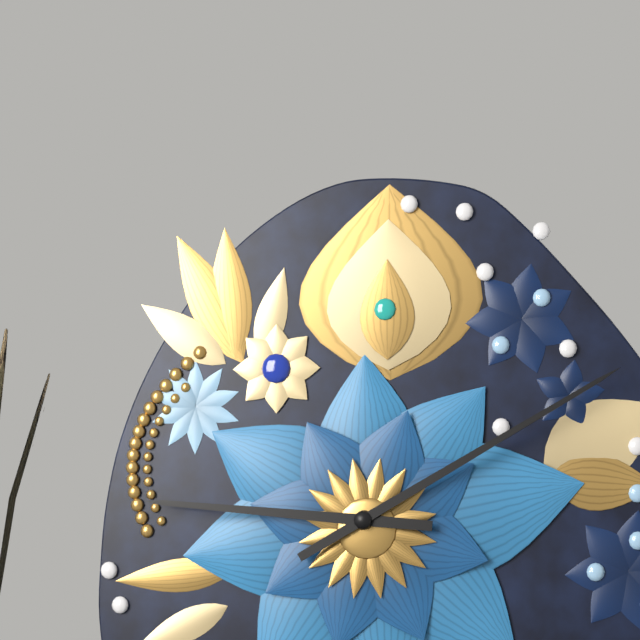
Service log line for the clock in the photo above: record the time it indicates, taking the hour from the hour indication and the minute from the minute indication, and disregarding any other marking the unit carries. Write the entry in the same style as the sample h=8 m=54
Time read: h=9 m=10
